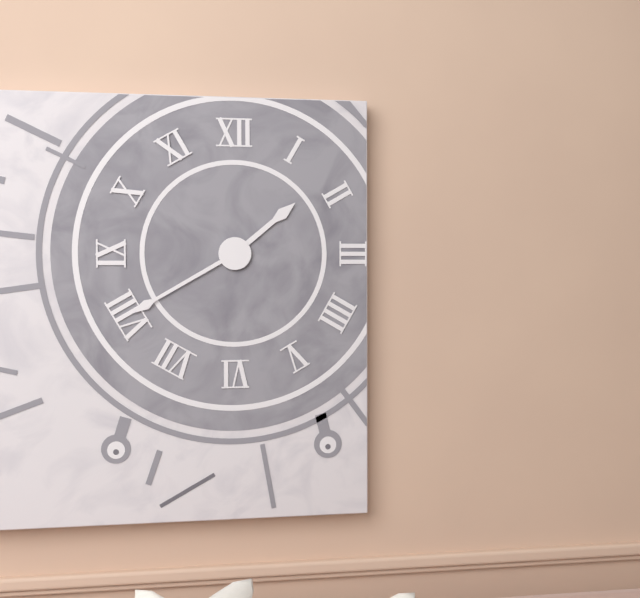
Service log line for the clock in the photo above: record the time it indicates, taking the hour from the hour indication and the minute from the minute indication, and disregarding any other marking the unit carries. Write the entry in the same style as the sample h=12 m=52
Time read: h=1 m=40
